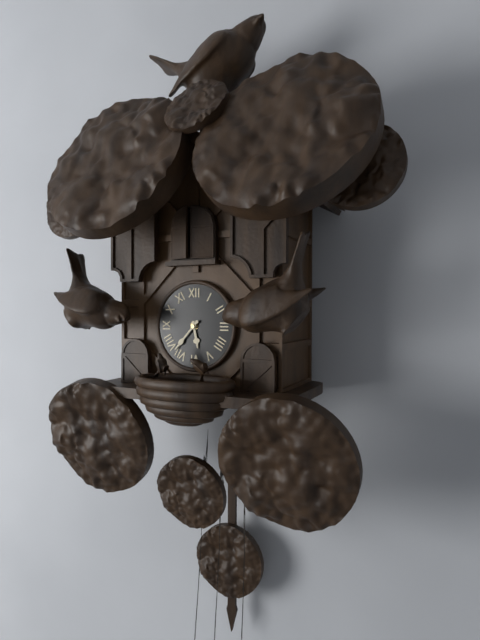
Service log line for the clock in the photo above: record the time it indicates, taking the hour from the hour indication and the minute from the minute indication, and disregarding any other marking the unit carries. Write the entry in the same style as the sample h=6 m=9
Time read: h=5 m=37
